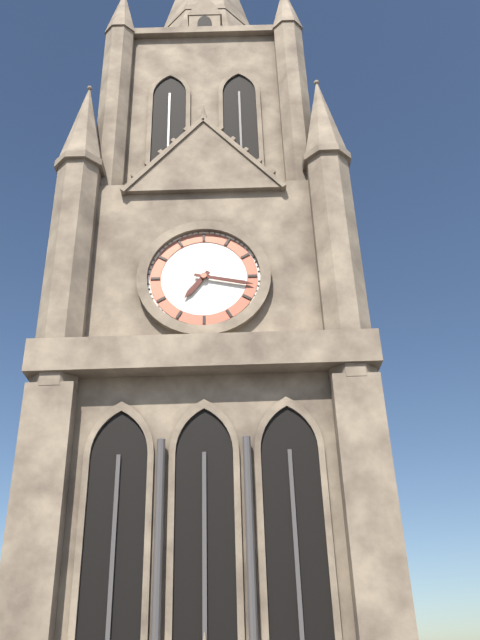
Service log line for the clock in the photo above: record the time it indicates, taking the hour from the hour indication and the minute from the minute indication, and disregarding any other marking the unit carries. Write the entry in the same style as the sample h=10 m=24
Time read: h=7 m=17
